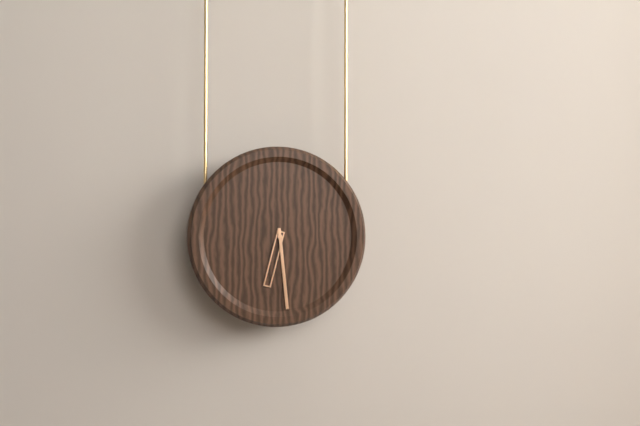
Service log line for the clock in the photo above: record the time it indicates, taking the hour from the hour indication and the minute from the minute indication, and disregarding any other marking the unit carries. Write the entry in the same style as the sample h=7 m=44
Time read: h=6 m=29
